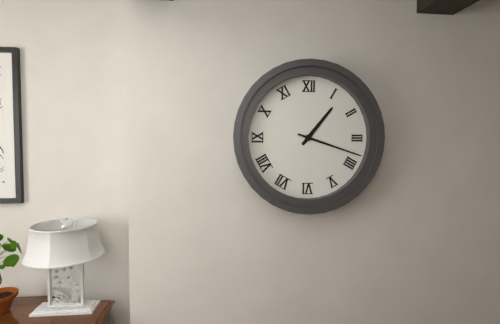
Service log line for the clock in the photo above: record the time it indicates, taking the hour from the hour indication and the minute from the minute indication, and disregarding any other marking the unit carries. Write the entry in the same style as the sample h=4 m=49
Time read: h=1 m=18
